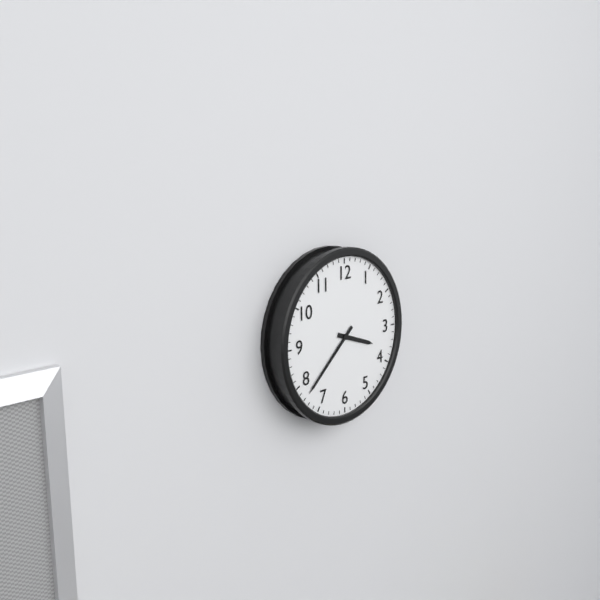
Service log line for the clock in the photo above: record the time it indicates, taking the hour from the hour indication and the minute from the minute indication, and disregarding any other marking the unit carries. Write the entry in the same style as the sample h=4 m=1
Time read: h=3 m=38
